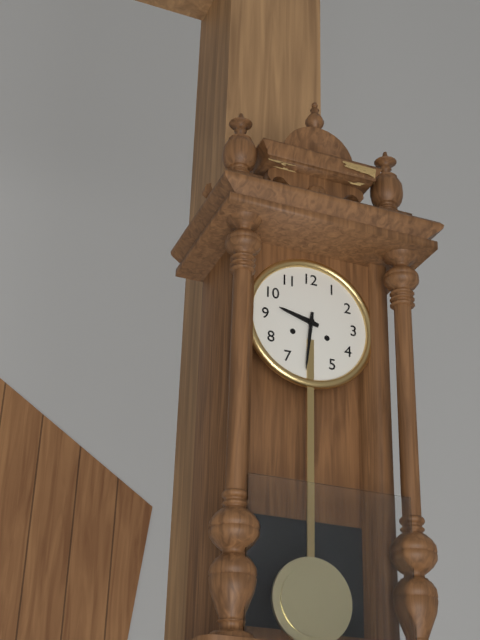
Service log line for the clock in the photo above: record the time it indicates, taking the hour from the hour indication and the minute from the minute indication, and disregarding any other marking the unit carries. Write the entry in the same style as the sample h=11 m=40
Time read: h=9 m=31
